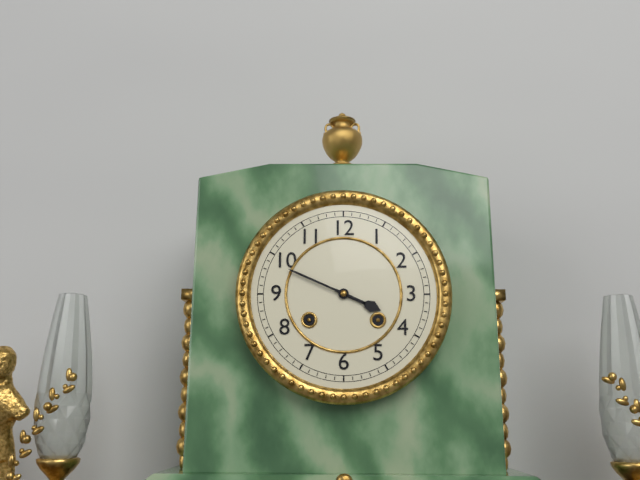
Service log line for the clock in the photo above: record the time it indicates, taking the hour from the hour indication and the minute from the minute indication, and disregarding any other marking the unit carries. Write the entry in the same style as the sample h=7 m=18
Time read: h=3 m=49
